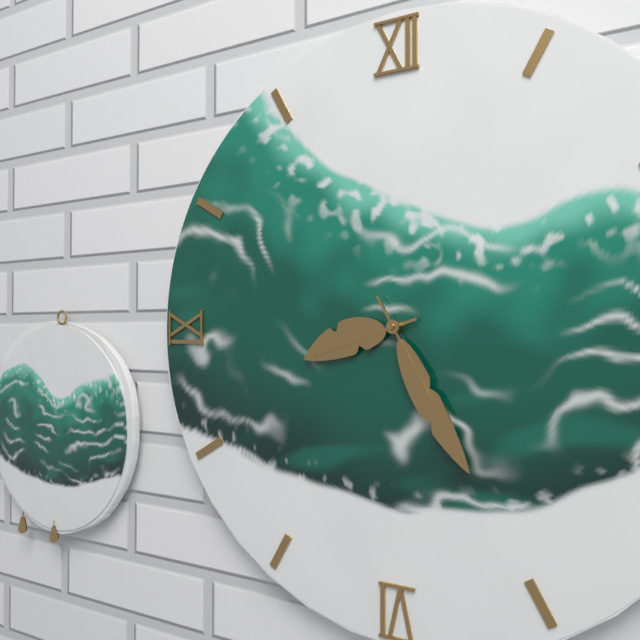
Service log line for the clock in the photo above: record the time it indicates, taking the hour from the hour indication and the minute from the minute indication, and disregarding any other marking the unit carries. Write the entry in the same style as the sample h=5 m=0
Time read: h=8 m=25
